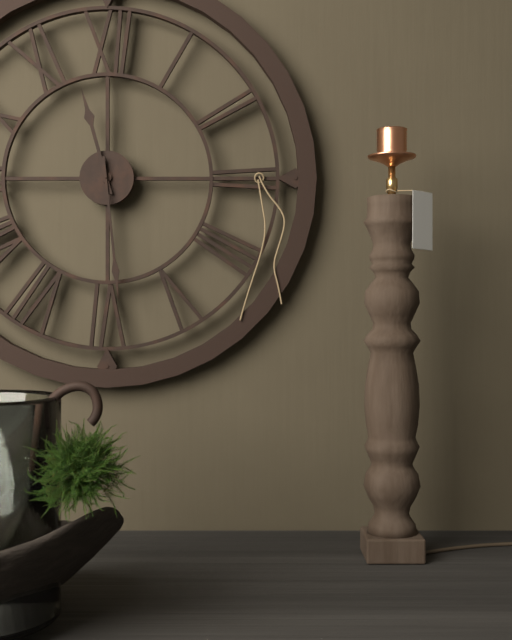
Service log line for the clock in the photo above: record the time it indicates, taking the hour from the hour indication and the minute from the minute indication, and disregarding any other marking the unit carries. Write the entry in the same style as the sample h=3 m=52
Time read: h=11 m=29
